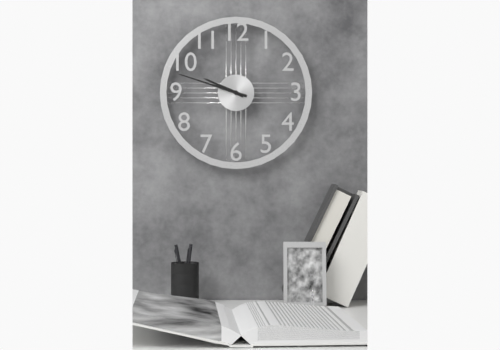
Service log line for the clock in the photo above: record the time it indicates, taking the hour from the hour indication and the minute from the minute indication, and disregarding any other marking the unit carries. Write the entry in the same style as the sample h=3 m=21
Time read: h=9 m=48
